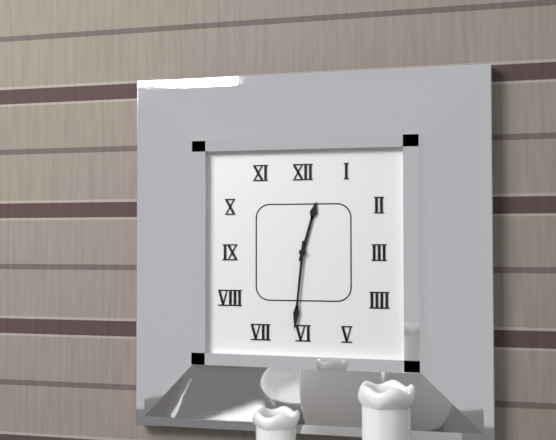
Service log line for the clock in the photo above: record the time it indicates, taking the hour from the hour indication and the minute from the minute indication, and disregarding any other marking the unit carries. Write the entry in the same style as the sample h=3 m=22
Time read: h=12 m=31
